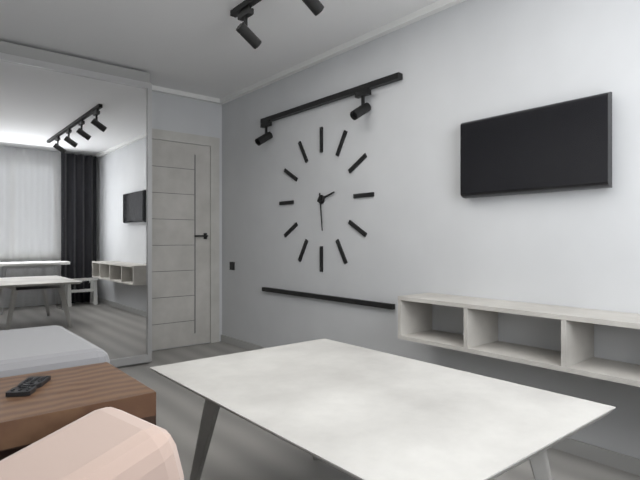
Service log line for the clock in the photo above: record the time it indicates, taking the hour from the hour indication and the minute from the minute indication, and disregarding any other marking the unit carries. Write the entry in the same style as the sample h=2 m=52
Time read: h=2 m=29
